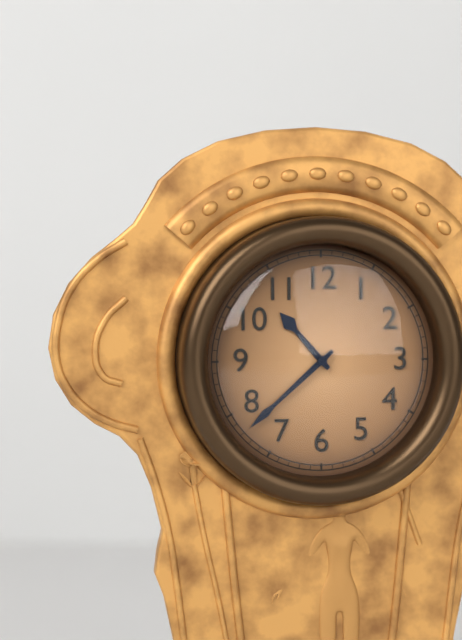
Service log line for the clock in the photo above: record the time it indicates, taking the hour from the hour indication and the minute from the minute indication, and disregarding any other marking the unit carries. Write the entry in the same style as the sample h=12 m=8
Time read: h=10 m=38
